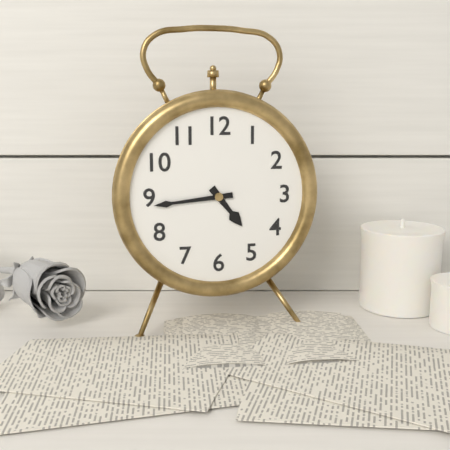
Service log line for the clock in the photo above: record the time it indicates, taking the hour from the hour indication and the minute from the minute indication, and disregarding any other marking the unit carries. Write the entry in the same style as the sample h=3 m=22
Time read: h=4 m=44
